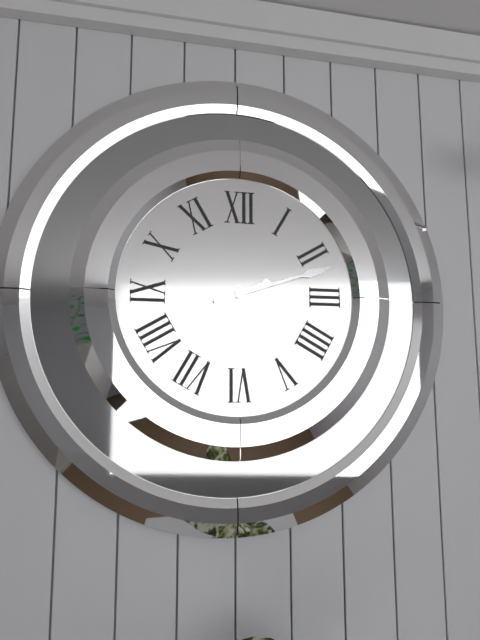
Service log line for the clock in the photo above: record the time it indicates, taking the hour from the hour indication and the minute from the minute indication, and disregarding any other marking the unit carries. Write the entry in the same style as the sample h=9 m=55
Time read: h=8 m=12
